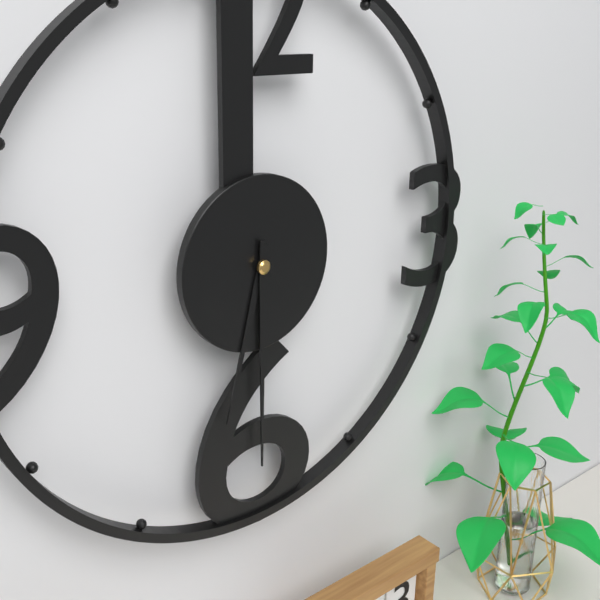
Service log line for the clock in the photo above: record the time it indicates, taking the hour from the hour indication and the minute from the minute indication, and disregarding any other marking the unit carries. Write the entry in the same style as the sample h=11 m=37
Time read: h=6 m=30
